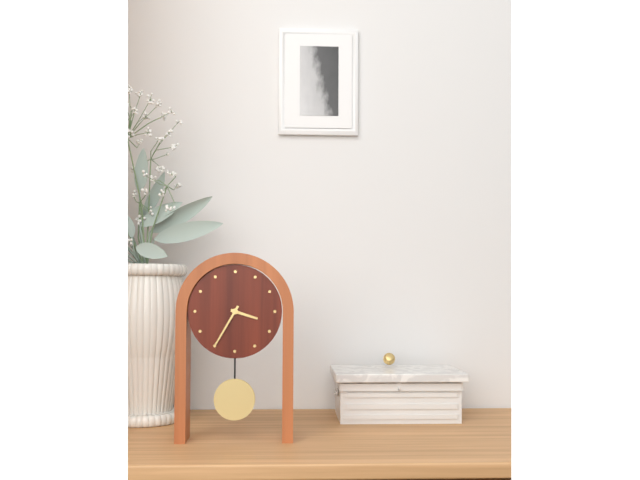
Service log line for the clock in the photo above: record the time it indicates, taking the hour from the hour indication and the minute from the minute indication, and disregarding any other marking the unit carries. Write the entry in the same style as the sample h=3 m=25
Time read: h=3 m=35
